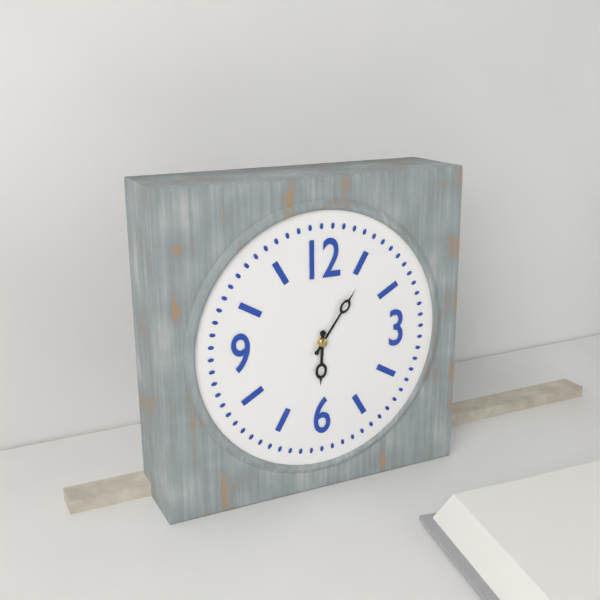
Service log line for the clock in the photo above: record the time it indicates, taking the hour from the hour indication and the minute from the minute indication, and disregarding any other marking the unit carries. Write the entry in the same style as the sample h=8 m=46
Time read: h=6 m=6
